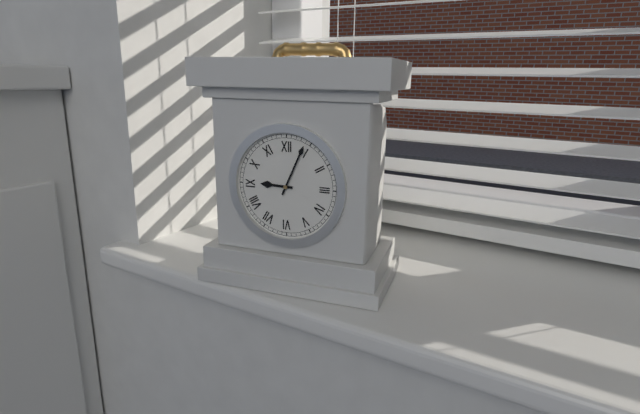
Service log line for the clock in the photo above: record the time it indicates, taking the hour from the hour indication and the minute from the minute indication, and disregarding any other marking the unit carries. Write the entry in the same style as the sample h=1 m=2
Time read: h=9 m=4
